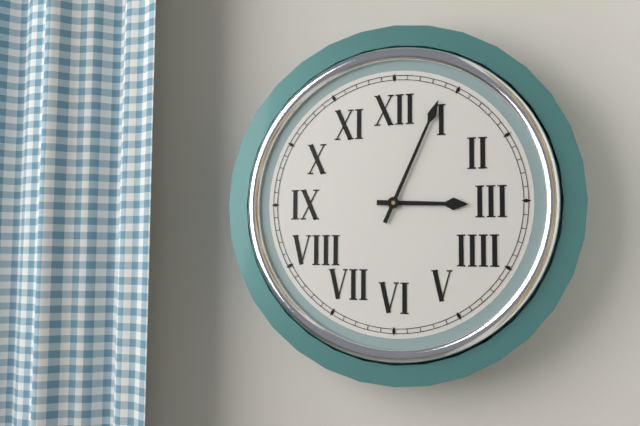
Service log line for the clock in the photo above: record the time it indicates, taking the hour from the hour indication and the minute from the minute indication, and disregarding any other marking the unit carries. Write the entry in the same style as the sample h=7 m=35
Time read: h=3 m=4
